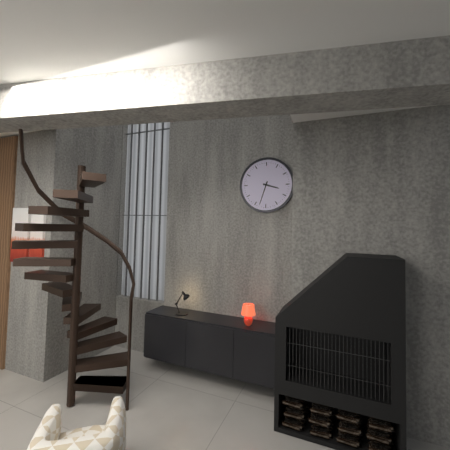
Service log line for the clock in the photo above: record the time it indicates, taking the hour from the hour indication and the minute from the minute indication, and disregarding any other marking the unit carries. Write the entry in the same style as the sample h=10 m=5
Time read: h=3 m=33
